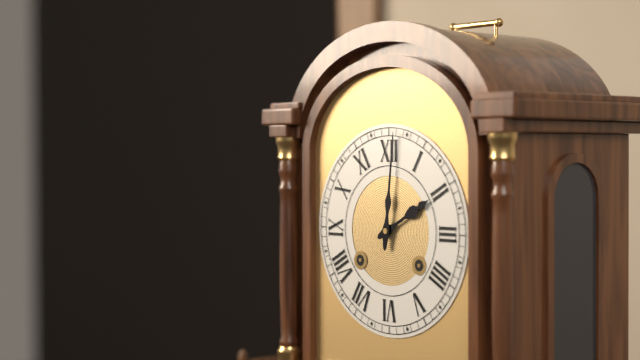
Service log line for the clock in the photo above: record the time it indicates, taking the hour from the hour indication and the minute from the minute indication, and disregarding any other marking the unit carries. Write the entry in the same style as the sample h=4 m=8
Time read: h=2 m=1
